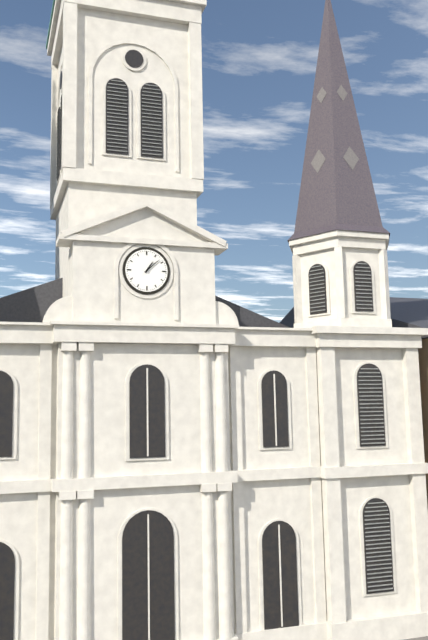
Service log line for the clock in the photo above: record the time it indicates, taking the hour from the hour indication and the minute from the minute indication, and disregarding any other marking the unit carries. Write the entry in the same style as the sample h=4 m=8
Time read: h=1 m=8
